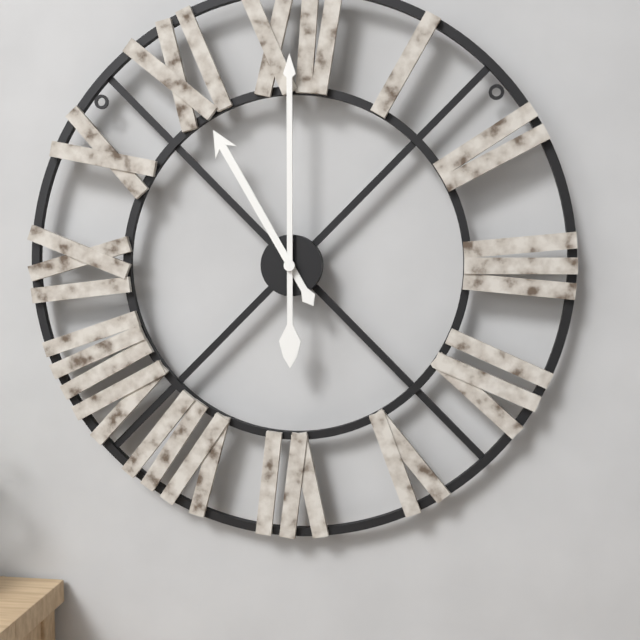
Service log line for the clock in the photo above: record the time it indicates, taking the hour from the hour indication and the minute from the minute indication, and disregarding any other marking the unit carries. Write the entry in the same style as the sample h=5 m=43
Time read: h=11 m=0
